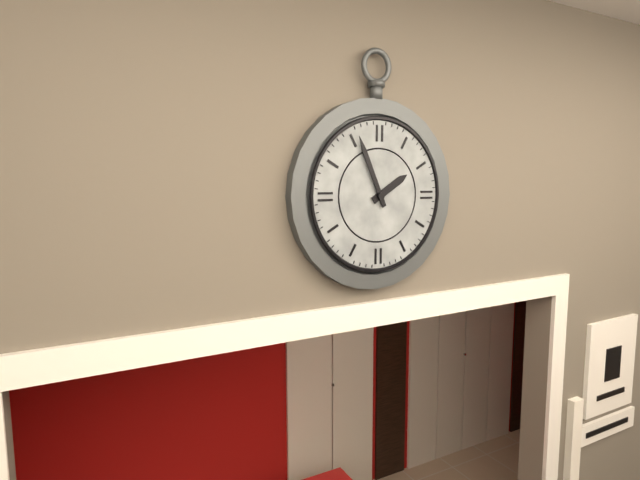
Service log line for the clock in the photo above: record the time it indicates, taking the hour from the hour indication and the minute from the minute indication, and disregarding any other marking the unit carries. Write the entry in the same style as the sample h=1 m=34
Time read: h=1 m=56
